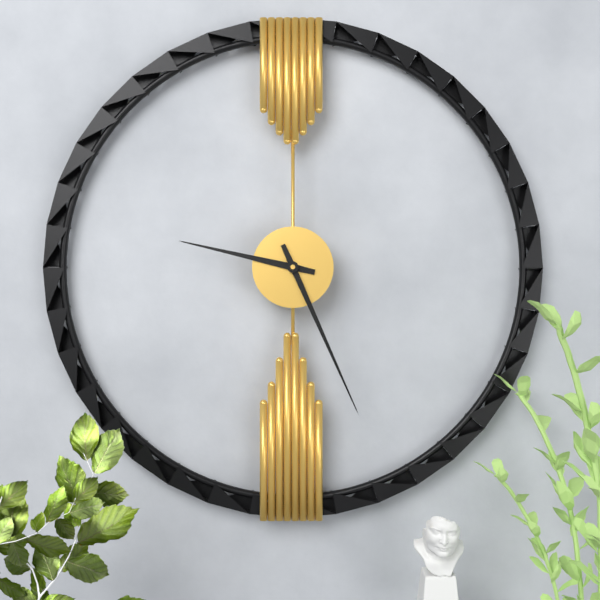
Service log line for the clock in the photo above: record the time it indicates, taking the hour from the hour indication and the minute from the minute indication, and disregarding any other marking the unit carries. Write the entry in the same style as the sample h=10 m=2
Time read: h=9 m=26
